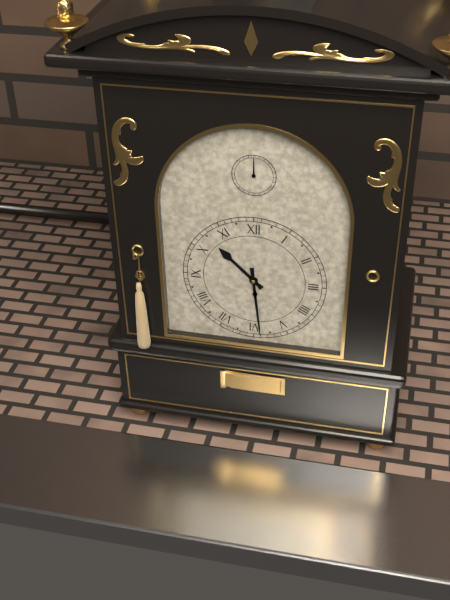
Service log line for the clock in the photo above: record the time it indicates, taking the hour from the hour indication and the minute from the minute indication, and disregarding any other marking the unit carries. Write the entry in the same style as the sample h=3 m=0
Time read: h=10 m=29
